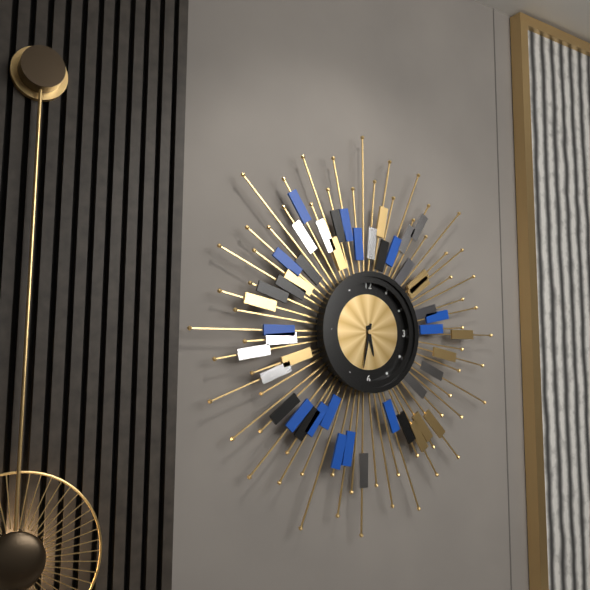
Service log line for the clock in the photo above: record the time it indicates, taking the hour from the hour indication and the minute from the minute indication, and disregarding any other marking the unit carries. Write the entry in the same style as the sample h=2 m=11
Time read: h=5 m=32
